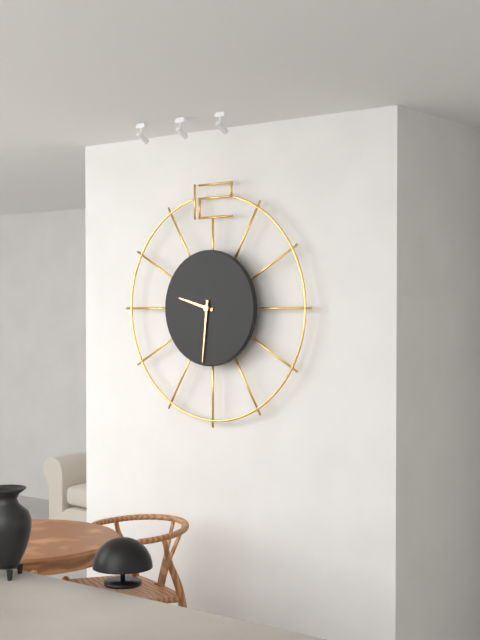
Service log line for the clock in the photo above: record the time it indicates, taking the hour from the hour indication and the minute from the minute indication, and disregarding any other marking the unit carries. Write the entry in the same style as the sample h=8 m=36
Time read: h=9 m=31
